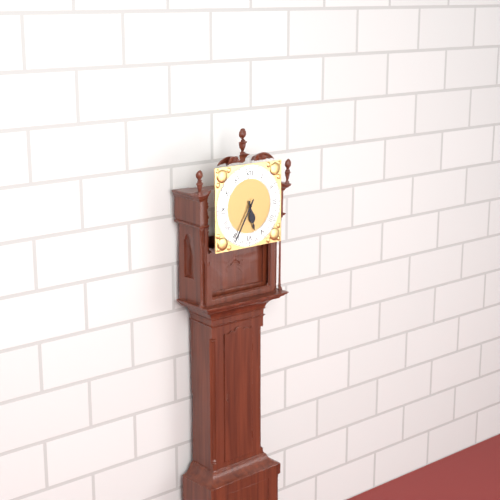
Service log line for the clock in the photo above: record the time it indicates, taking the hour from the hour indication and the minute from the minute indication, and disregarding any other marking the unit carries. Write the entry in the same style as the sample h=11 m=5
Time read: h=5 m=35
